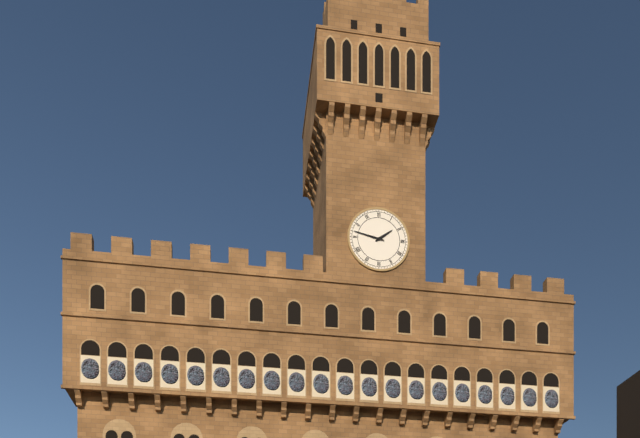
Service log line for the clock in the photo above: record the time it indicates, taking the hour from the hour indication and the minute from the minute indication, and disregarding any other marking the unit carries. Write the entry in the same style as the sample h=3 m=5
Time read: h=1 m=47
